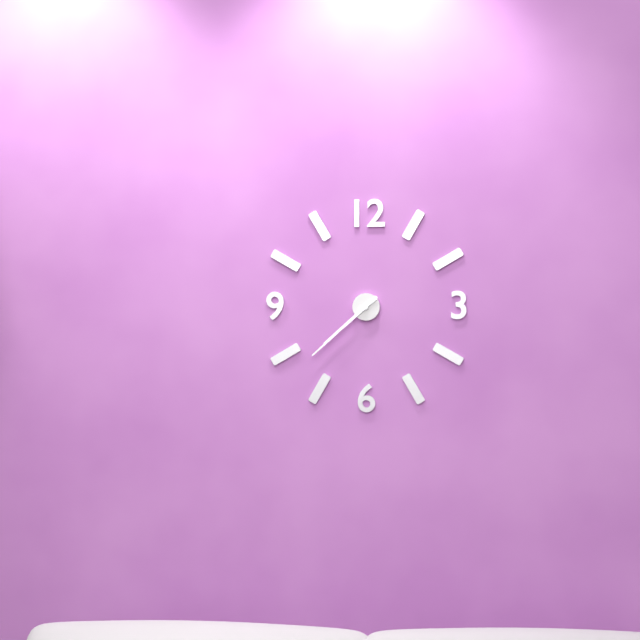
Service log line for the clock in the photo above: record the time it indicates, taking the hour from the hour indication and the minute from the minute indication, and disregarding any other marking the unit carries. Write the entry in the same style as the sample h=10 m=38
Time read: h=7 m=38
